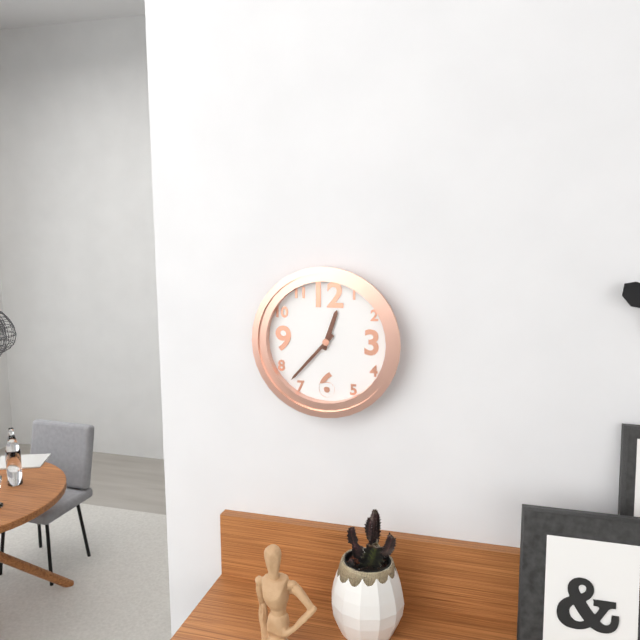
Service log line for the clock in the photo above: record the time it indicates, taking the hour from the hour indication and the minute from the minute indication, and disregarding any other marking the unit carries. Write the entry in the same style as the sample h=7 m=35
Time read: h=12 m=37
